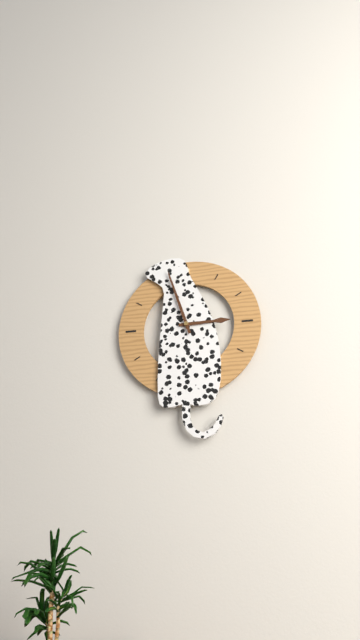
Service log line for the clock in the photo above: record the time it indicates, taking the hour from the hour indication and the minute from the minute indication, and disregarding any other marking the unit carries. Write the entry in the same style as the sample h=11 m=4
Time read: h=2 m=57
